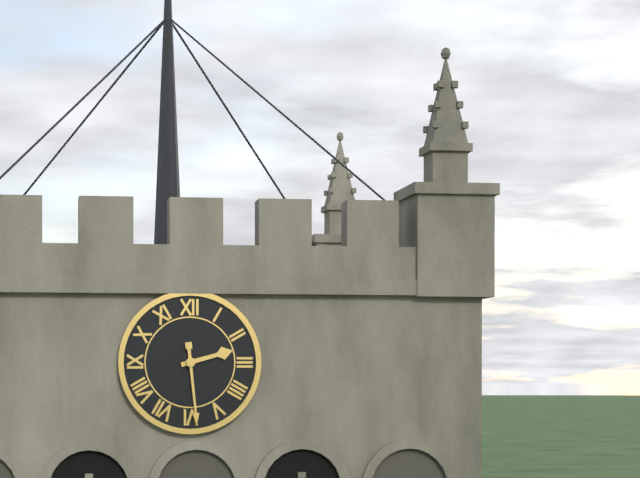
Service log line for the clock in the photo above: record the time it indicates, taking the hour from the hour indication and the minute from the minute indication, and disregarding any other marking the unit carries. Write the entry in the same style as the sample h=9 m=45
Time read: h=2 m=29
